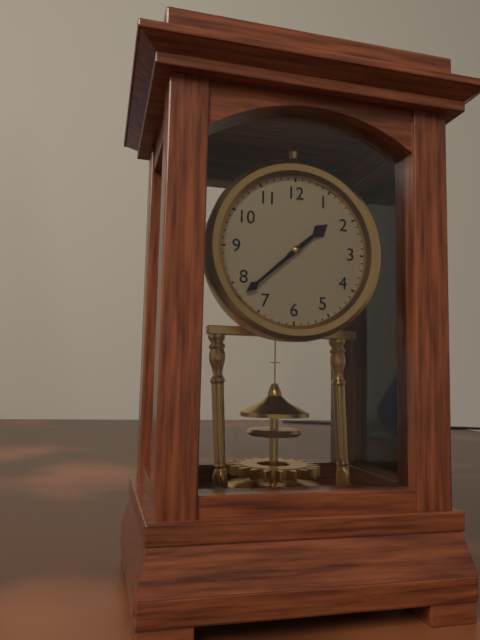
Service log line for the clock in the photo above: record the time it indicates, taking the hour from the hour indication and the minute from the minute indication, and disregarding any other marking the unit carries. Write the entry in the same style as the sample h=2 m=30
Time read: h=1 m=38
